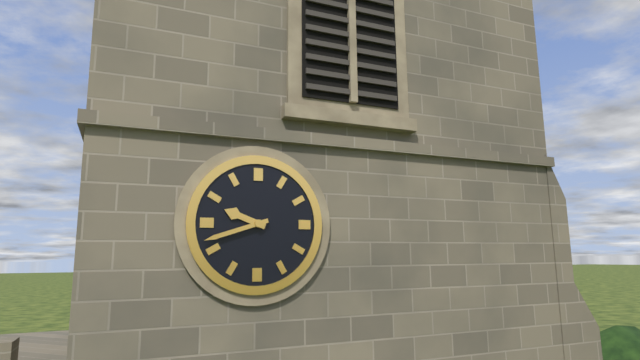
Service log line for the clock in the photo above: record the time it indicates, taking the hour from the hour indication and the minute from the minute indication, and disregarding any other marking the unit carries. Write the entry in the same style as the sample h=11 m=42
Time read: h=9 m=42
